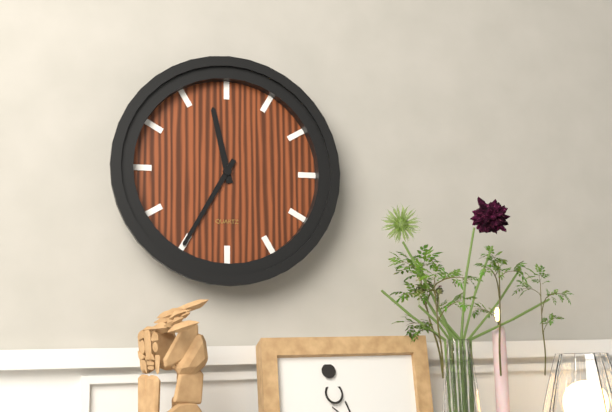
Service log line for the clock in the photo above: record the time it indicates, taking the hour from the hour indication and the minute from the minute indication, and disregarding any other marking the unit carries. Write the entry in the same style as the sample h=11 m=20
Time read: h=11 m=35
